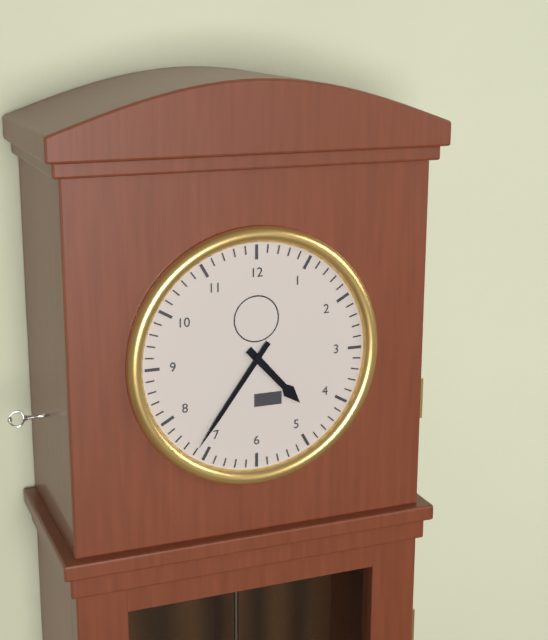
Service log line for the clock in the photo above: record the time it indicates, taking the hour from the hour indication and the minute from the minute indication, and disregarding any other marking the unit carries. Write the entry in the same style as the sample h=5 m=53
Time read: h=4 m=36
